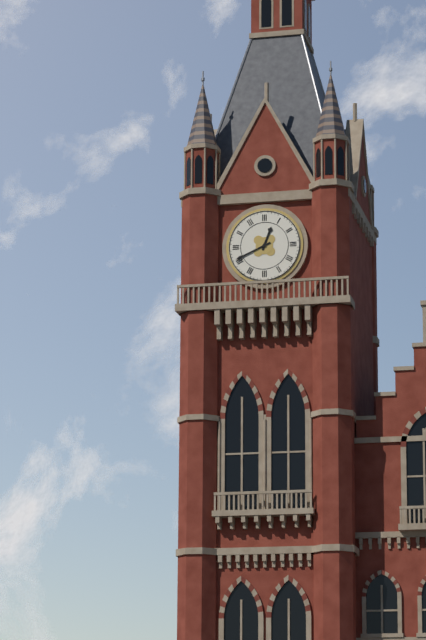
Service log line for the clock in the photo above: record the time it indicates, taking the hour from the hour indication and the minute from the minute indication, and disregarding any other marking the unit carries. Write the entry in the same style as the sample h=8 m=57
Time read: h=12 m=41
